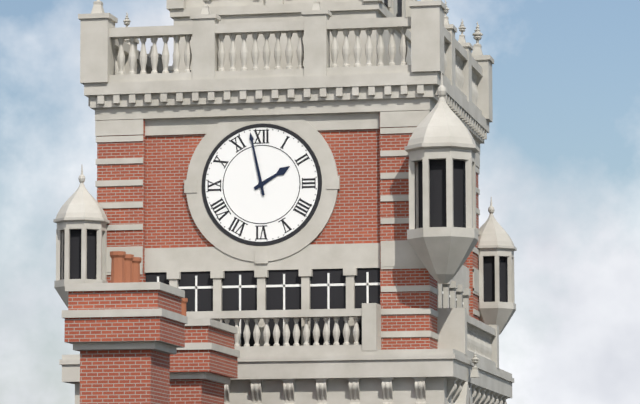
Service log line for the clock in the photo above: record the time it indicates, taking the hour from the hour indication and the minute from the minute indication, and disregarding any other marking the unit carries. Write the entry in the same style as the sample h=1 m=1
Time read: h=1 m=58
